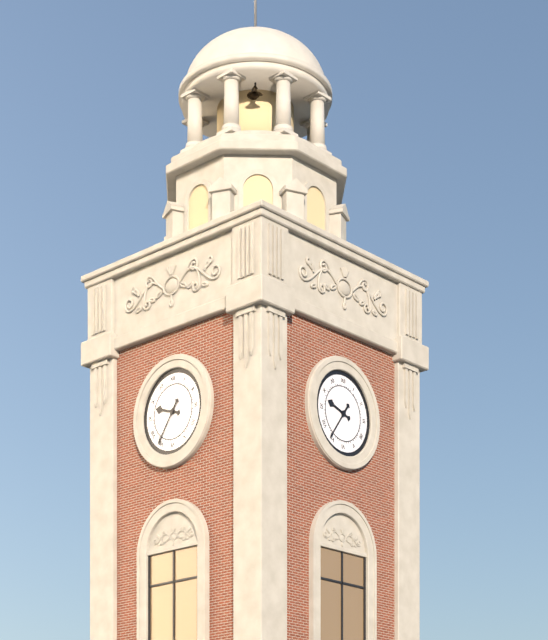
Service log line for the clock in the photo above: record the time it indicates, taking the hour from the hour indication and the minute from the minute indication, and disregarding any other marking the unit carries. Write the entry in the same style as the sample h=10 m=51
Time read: h=9 m=36
